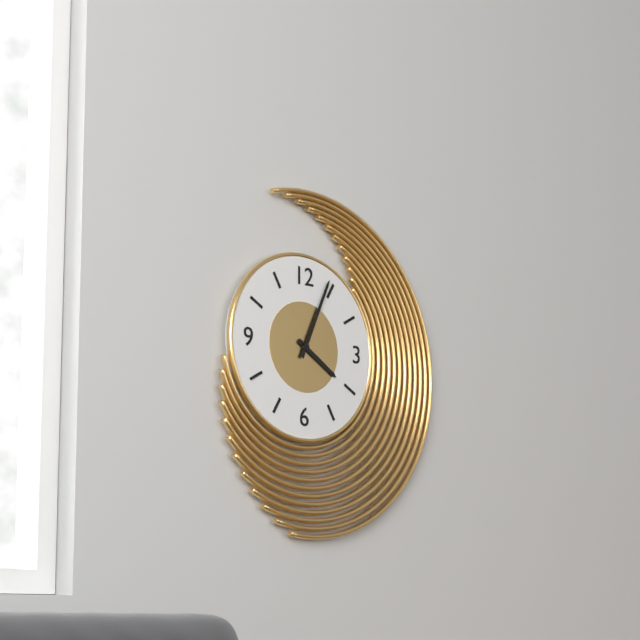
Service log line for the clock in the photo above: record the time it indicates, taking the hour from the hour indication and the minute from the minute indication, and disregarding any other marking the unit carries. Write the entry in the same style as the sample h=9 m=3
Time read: h=4 m=4
